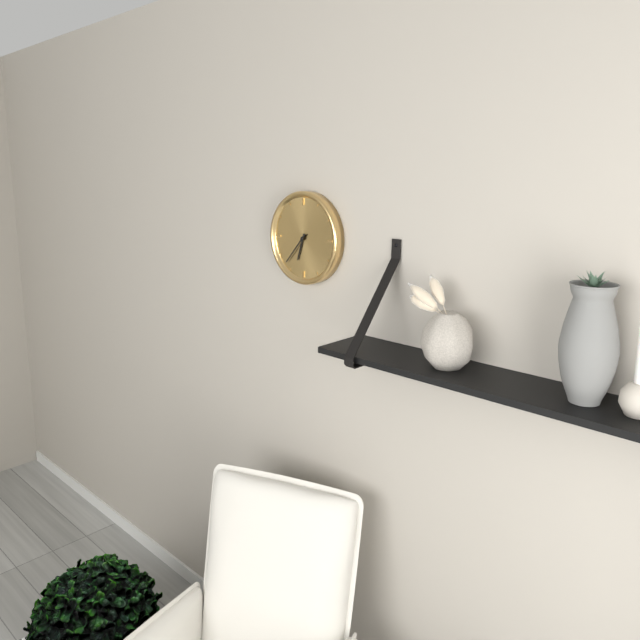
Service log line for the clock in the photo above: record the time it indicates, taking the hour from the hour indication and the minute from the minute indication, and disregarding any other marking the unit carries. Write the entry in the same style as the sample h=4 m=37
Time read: h=6 m=37
